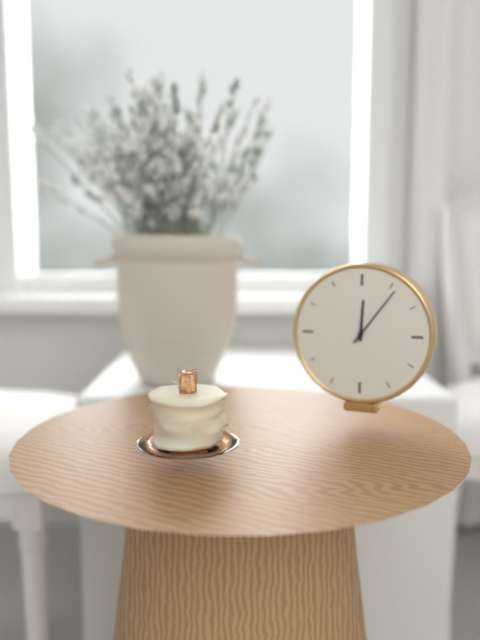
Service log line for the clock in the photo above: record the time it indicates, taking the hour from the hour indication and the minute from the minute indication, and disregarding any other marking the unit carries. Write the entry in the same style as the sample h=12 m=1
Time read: h=12 m=6
